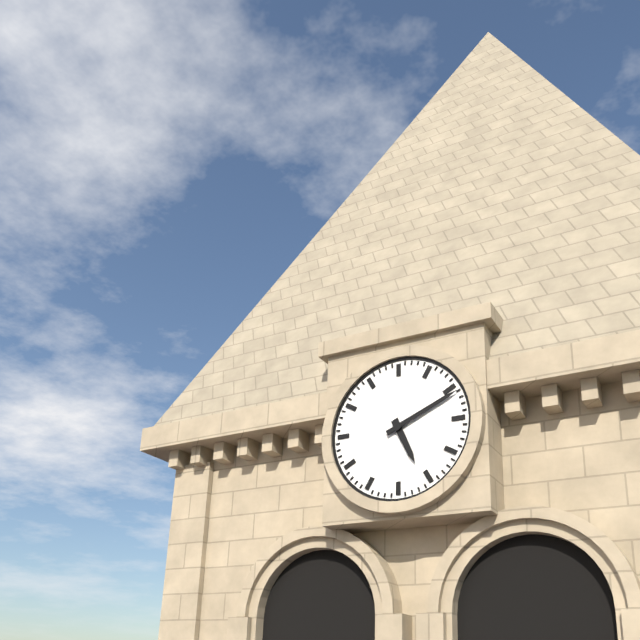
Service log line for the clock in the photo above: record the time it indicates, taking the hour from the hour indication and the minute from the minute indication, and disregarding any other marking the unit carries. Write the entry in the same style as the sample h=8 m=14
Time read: h=5 m=11
